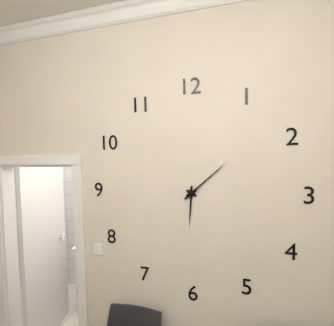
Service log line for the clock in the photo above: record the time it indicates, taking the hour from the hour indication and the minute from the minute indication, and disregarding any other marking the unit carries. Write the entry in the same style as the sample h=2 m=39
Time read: h=6 m=8
